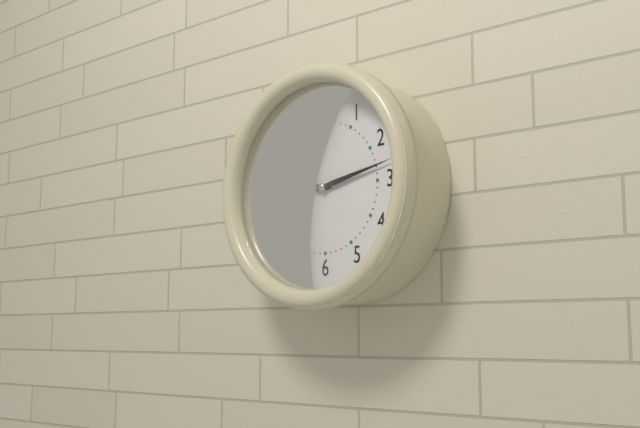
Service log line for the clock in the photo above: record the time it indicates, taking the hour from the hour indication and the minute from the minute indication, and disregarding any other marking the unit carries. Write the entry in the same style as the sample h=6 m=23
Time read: h=9 m=13
